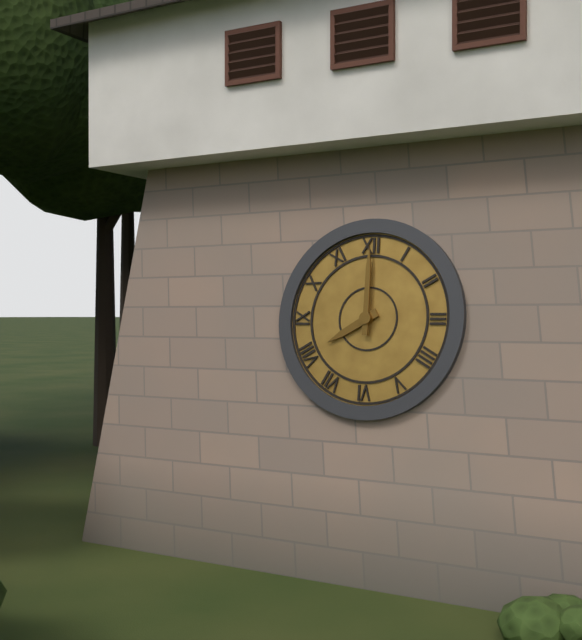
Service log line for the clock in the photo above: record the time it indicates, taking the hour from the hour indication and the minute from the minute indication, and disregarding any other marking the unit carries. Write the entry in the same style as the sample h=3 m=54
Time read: h=8 m=0
